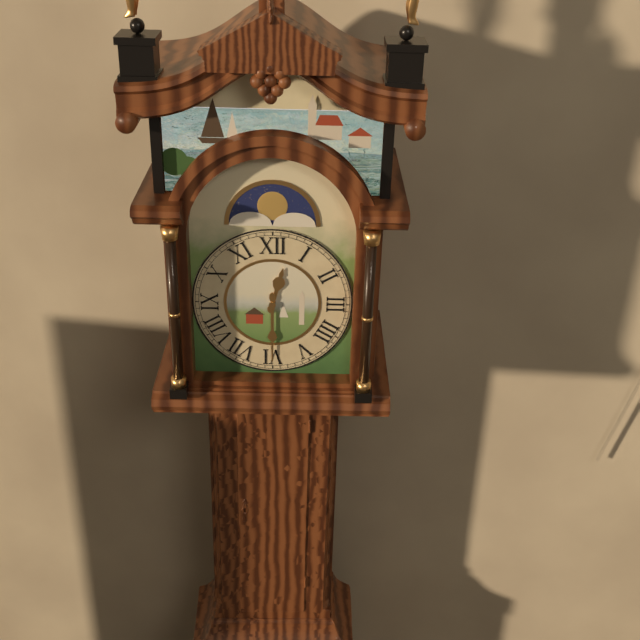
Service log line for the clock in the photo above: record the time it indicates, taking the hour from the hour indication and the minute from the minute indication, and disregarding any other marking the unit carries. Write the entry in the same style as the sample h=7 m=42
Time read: h=12 m=30
